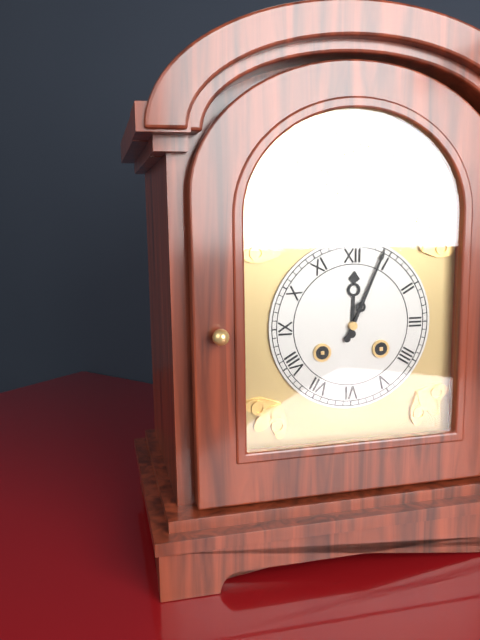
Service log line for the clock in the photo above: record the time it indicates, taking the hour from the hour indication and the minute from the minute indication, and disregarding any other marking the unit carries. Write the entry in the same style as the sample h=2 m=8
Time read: h=12 m=4
